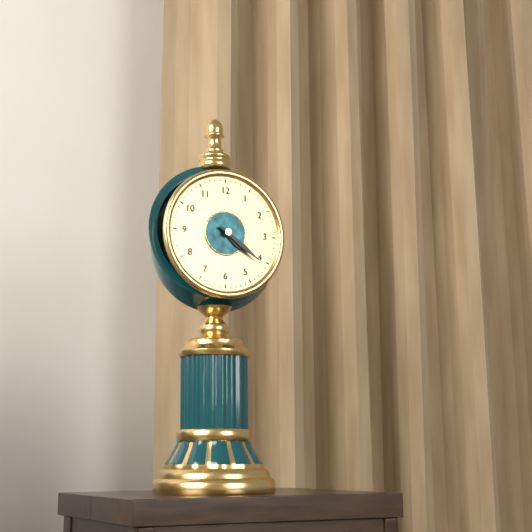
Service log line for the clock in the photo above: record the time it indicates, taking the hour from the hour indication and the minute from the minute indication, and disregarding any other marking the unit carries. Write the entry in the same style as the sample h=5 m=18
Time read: h=4 m=21
